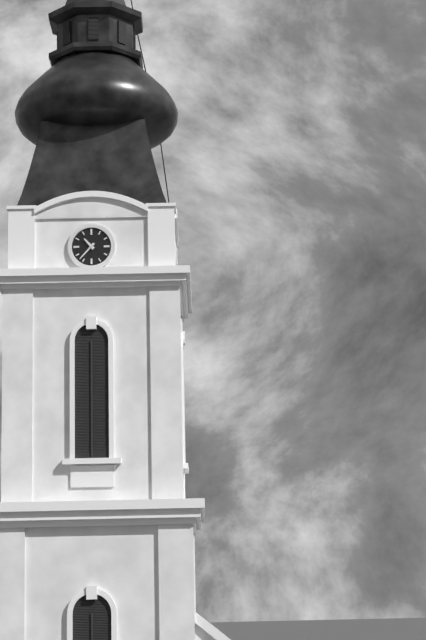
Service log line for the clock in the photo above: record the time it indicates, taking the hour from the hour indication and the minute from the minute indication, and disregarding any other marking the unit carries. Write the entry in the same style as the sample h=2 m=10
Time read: h=10 m=37
